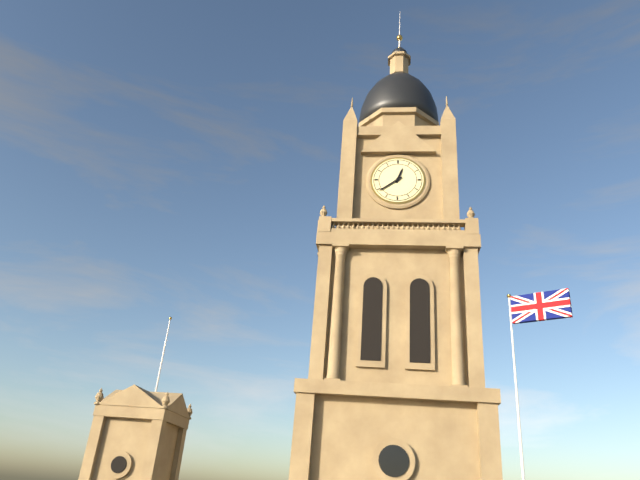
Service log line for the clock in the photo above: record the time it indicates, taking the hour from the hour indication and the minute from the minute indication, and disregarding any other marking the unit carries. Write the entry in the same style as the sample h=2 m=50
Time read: h=12 m=39
